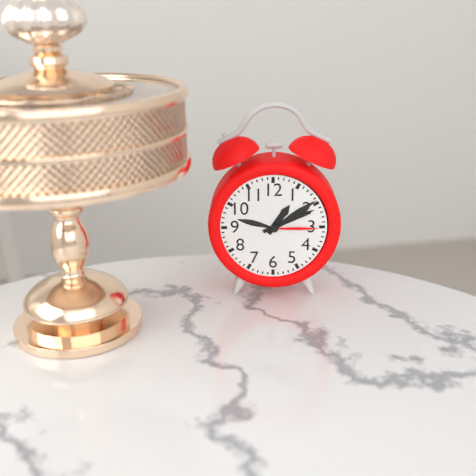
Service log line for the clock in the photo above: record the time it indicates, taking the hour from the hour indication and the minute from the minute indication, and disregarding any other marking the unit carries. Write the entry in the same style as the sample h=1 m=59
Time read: h=1 m=11
